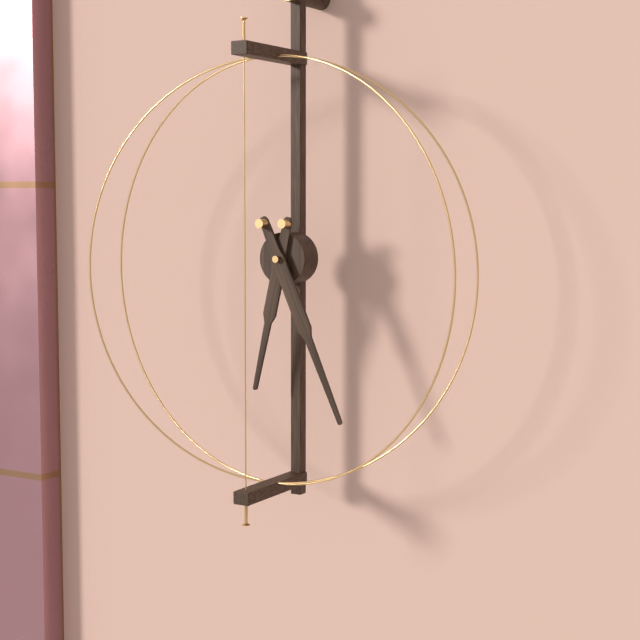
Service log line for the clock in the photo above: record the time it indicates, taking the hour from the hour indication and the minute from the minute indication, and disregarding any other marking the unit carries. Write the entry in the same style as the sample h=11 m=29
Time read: h=6 m=26
